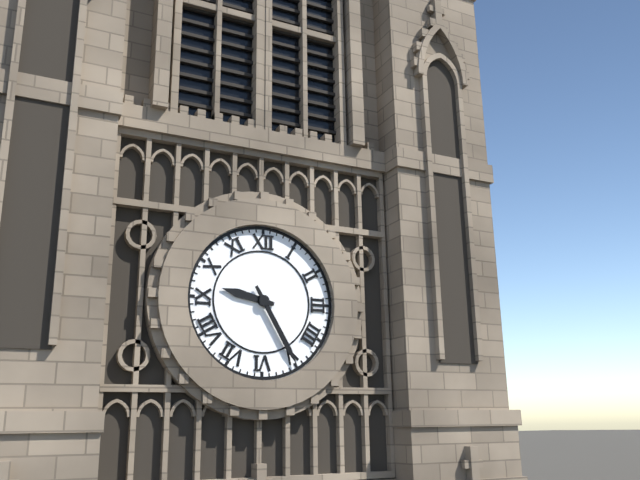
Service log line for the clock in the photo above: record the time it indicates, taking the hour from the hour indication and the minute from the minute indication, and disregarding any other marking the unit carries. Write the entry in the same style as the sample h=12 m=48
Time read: h=9 m=25
